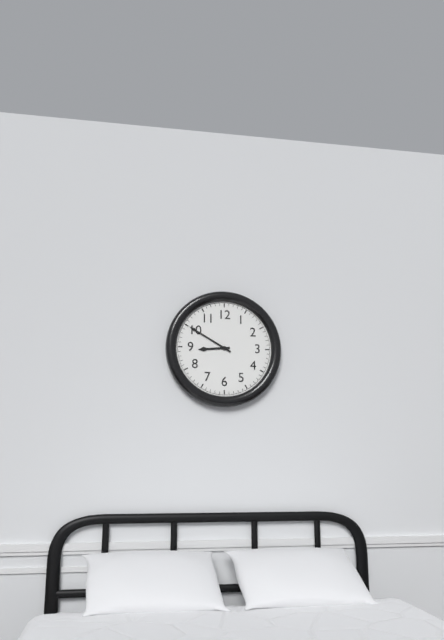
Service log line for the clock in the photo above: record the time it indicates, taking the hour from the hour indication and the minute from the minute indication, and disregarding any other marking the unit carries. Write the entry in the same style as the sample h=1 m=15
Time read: h=8 m=50
